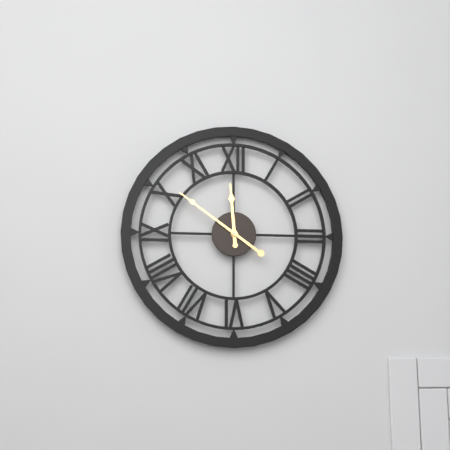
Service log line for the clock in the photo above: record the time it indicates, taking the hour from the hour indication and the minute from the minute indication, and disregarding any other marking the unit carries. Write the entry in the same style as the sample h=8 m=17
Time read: h=11 m=51
